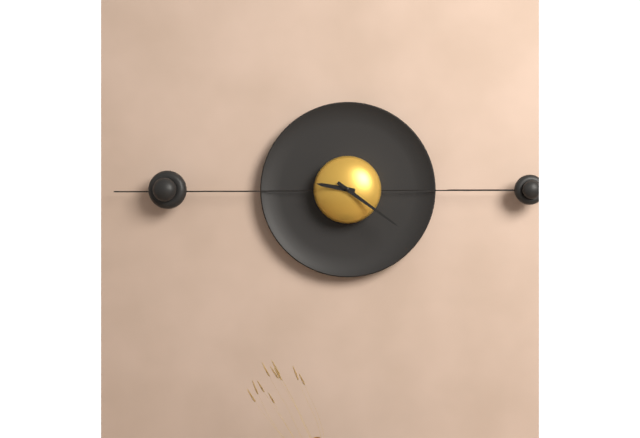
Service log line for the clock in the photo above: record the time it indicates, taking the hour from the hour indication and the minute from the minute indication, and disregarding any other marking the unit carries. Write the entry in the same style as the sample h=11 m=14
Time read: h=9 m=21
